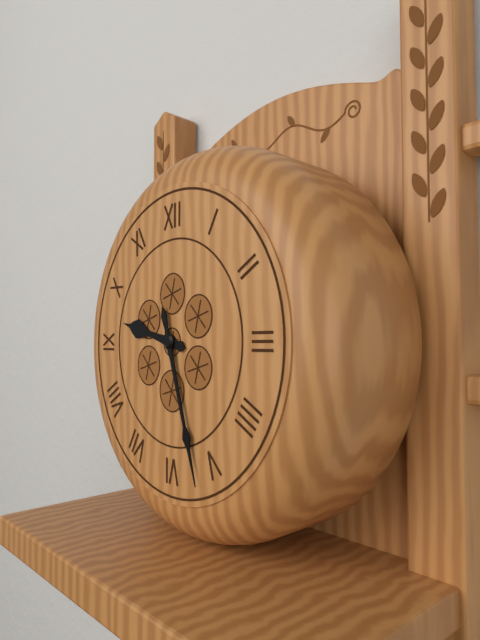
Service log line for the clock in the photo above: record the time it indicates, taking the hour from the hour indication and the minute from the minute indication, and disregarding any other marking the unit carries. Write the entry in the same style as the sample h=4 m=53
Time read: h=9 m=27
